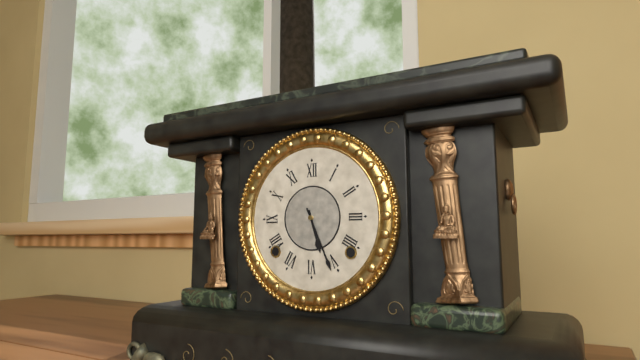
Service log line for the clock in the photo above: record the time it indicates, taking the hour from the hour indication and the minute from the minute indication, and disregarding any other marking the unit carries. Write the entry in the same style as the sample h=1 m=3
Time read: h=5 m=26
